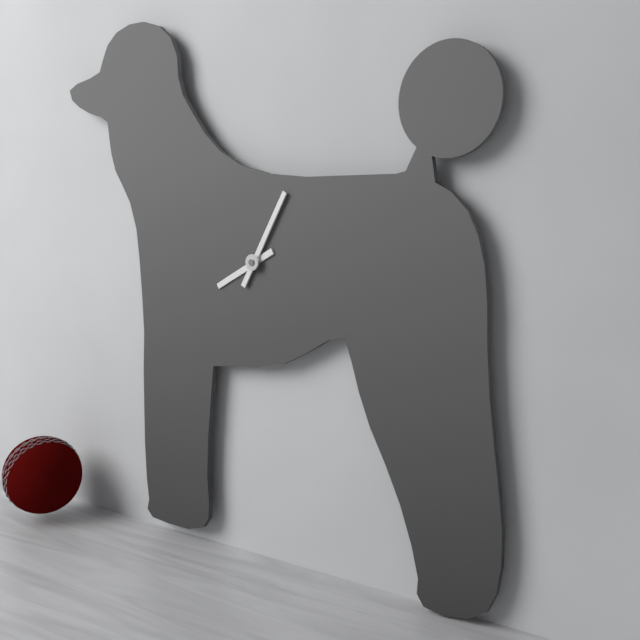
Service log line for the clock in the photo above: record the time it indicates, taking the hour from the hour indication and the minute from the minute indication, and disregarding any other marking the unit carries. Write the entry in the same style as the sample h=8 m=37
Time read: h=8 m=5
